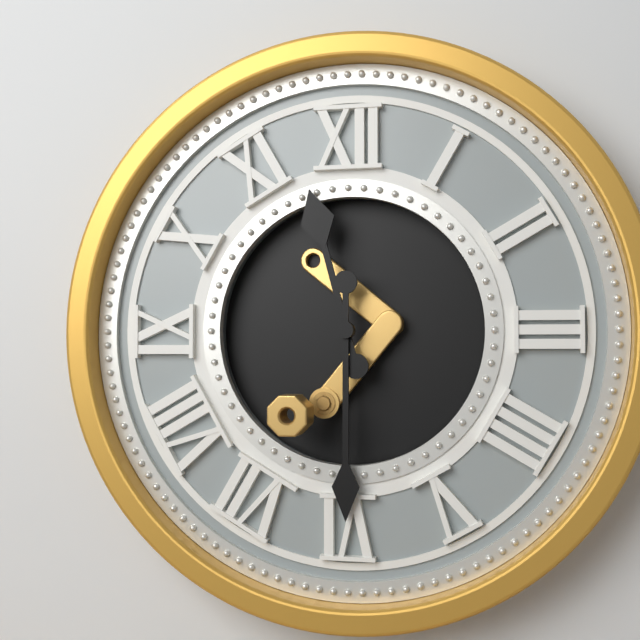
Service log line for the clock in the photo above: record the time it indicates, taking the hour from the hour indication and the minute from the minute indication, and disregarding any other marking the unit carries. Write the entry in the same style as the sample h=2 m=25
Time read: h=11 m=30
